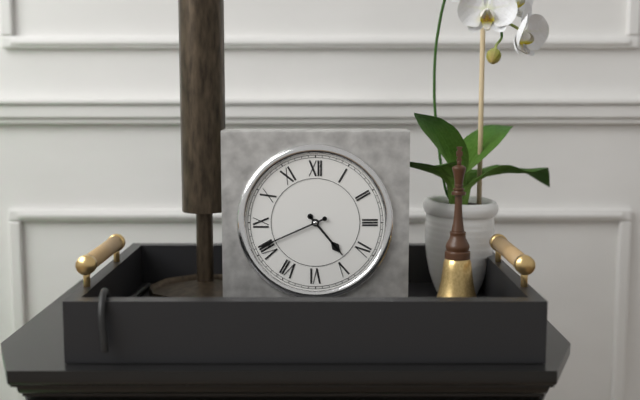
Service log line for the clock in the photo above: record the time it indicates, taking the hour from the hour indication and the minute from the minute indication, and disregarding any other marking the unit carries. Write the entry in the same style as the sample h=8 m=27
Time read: h=4 m=41
